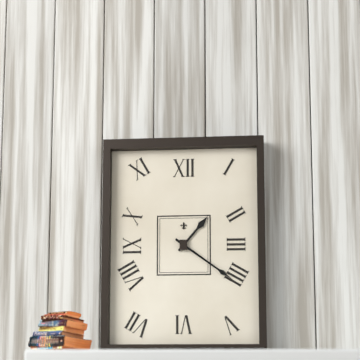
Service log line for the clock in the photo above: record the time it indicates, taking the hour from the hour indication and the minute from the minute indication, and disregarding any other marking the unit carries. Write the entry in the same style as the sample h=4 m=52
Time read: h=1 m=21
